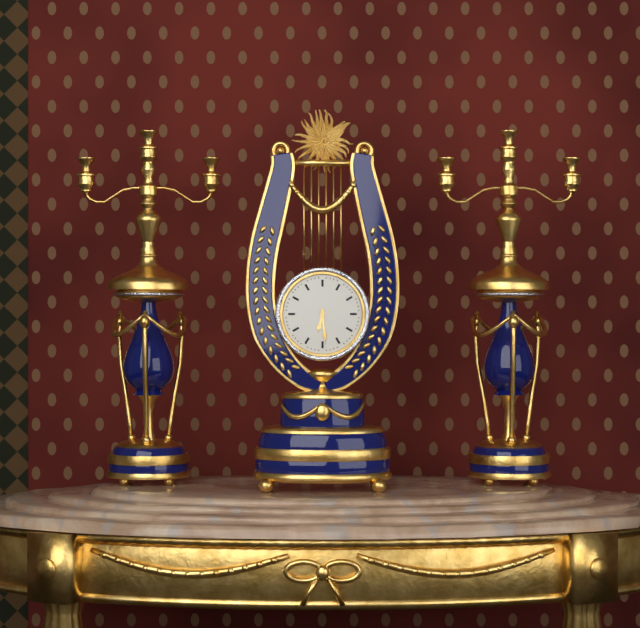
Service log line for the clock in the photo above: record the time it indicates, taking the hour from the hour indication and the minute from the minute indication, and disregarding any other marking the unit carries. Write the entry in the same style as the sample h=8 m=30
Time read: h=6 m=29
